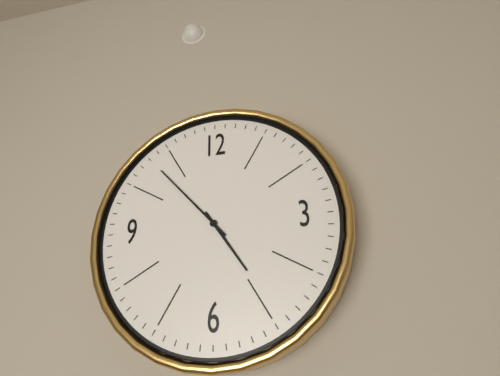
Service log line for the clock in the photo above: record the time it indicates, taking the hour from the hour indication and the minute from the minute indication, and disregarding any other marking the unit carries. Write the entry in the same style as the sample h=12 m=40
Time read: h=4 m=53
